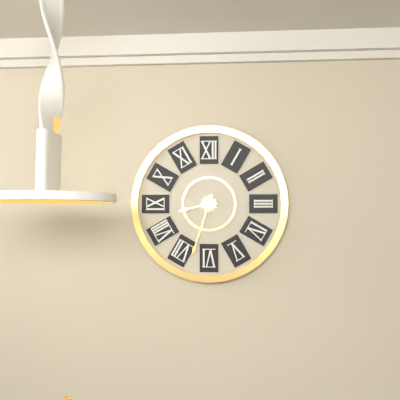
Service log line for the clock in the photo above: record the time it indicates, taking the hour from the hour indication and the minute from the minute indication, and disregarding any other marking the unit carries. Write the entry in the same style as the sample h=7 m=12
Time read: h=8 m=33
